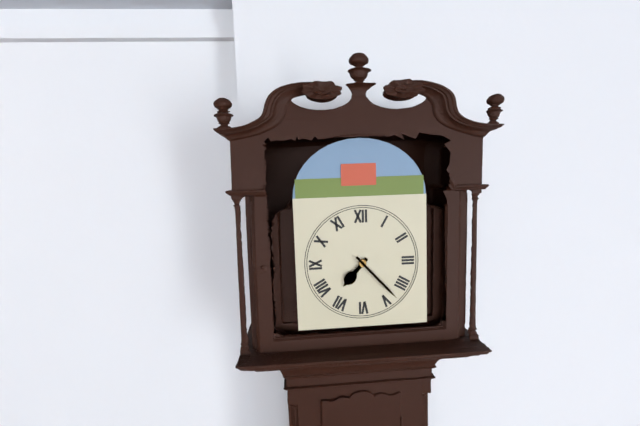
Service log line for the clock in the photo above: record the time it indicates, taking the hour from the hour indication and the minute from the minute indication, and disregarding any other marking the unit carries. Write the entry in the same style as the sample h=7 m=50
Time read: h=7 m=23
